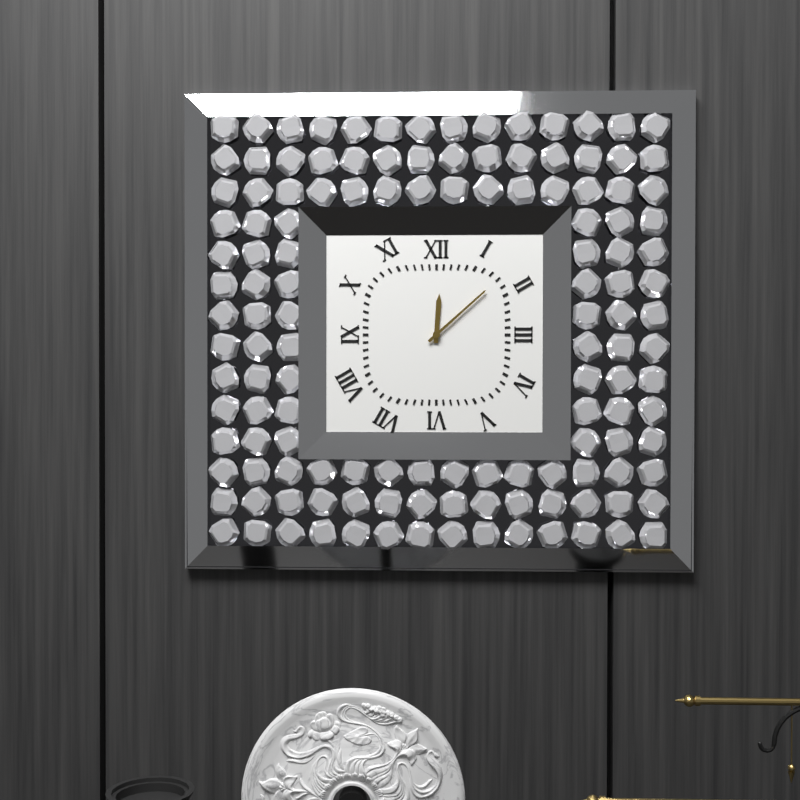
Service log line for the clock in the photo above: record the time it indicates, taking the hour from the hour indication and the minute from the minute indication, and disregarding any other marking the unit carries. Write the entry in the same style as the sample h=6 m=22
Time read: h=12 m=8
